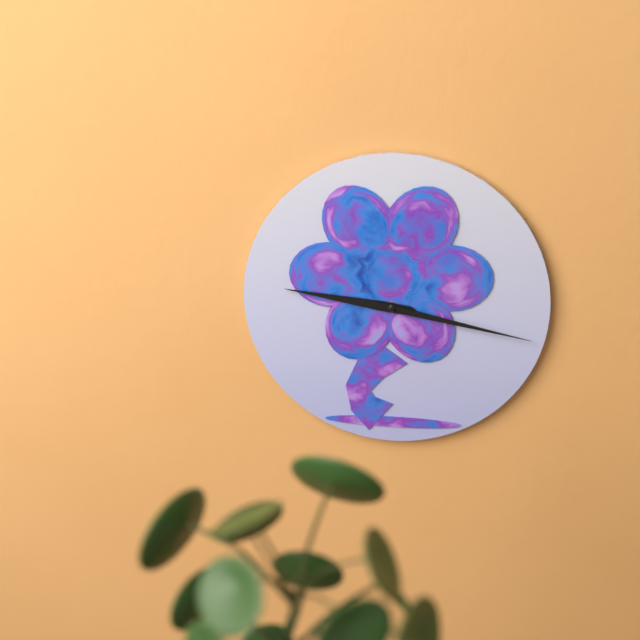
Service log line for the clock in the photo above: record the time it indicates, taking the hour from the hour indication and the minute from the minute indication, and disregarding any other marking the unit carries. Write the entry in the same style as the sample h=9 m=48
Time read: h=9 m=17
